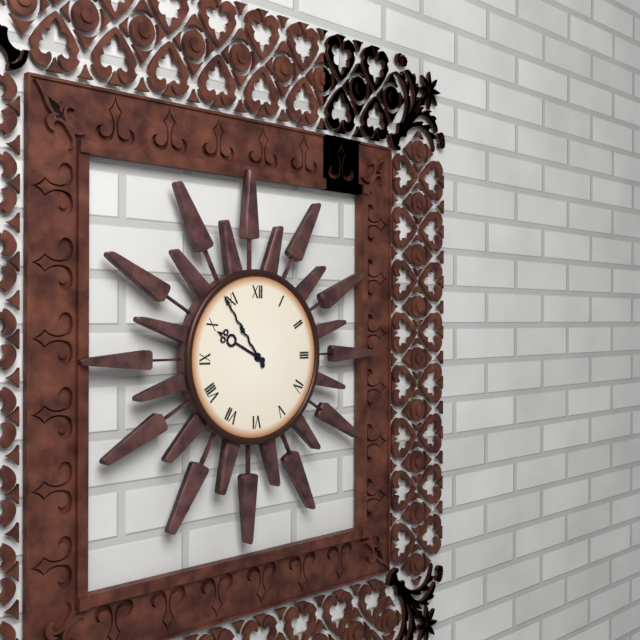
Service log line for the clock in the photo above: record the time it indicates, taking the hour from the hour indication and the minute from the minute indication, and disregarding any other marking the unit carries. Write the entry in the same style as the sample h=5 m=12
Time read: h=9 m=54
